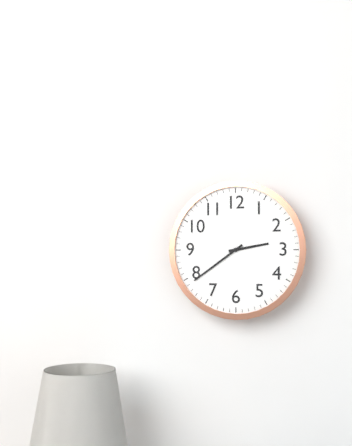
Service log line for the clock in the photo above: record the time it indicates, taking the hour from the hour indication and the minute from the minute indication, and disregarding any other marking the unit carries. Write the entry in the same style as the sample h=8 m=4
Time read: h=2 m=39
